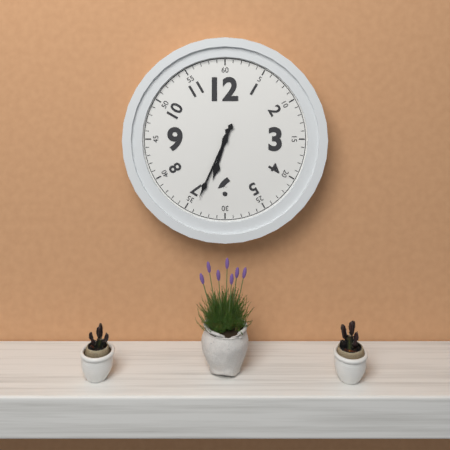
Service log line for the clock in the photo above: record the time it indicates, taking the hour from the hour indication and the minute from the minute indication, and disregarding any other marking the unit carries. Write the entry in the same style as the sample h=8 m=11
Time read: h=6 m=34
